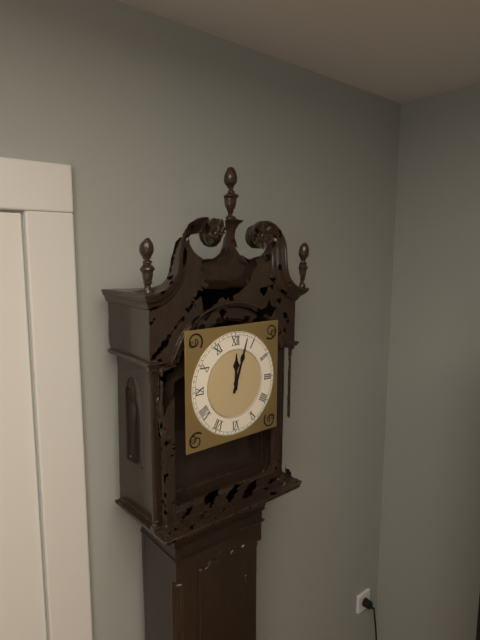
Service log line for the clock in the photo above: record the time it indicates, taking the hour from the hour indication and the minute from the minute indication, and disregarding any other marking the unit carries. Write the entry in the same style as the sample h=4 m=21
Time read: h=12 m=3
